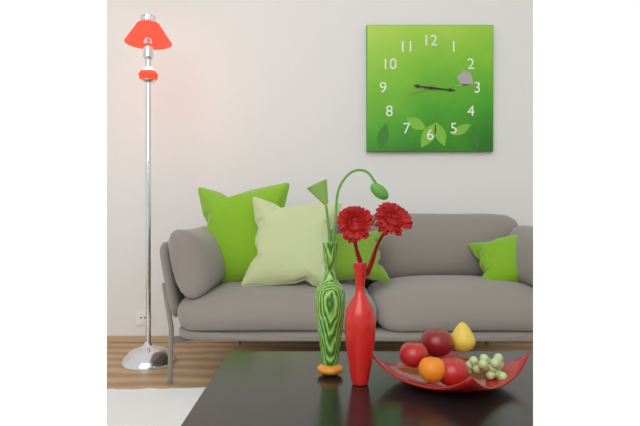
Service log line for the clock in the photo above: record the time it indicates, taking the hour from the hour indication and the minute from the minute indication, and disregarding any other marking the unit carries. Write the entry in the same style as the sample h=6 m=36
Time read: h=9 m=16
